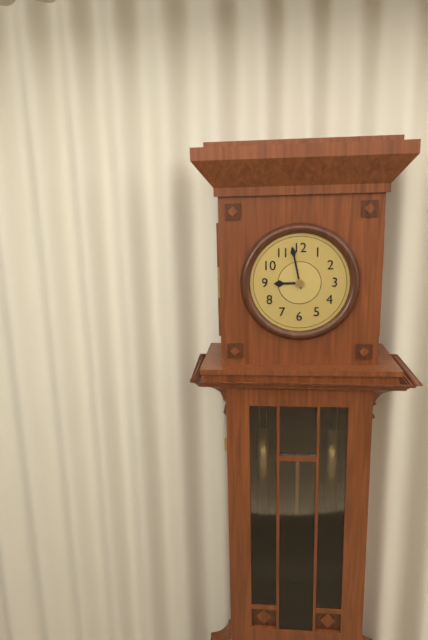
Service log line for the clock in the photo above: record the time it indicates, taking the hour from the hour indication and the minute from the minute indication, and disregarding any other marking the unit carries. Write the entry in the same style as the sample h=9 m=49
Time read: h=8 m=58
